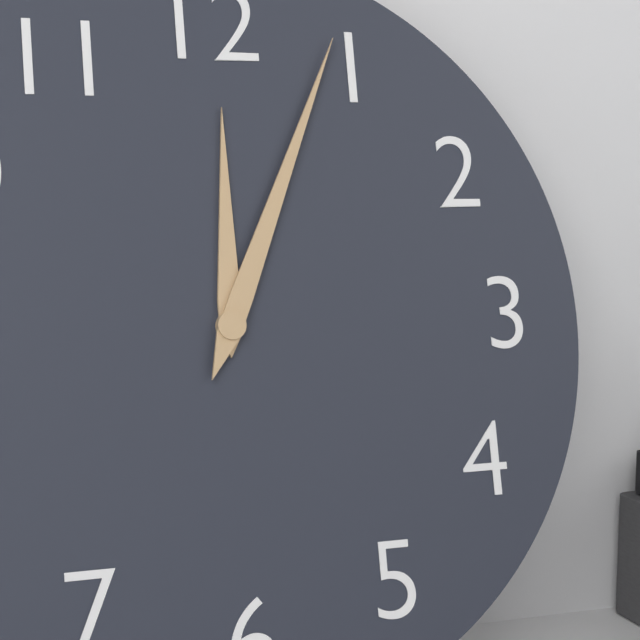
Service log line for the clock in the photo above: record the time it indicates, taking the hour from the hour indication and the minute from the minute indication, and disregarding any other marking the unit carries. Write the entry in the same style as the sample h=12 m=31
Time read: h=12 m=4
